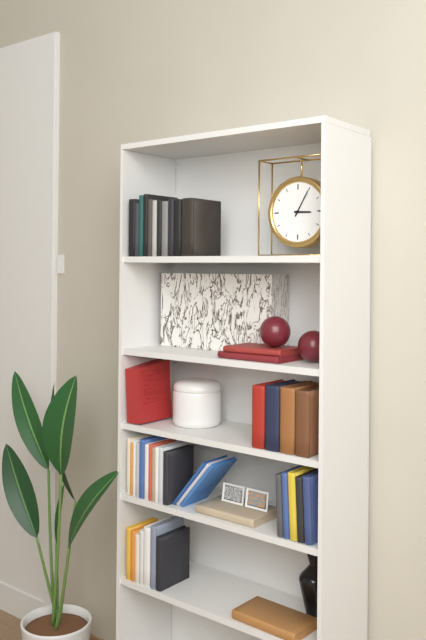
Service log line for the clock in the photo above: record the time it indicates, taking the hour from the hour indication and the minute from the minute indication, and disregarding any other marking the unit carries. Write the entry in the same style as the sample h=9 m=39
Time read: h=3 m=5
